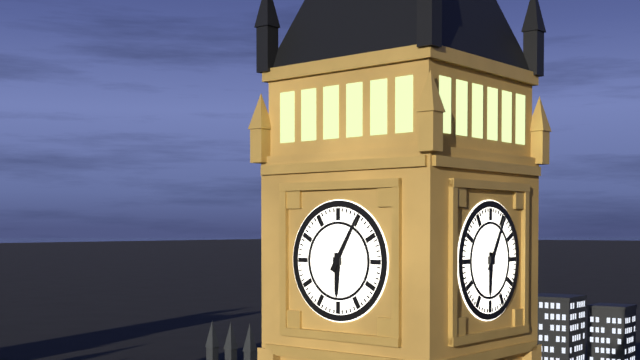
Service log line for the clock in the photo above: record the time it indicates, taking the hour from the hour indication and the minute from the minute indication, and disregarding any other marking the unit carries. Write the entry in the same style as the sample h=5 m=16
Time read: h=6 m=5
